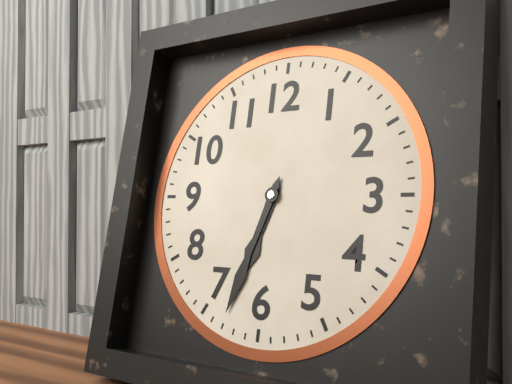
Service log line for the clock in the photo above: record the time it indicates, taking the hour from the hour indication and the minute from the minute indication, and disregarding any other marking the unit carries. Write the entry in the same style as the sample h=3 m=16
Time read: h=6 m=33
